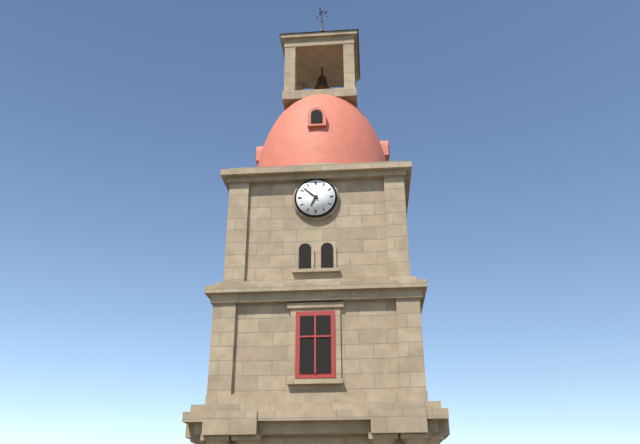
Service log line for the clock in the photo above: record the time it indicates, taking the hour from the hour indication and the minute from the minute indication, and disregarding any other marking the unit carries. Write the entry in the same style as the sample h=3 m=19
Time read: h=6 m=52
